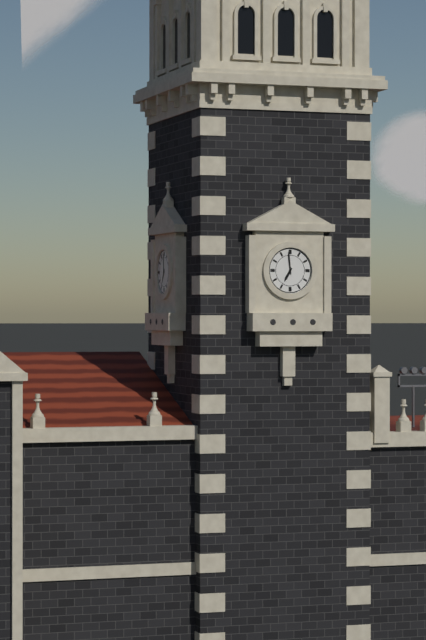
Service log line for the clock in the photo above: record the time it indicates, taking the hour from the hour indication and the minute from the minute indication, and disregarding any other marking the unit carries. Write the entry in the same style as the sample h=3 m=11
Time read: h=6 m=59
